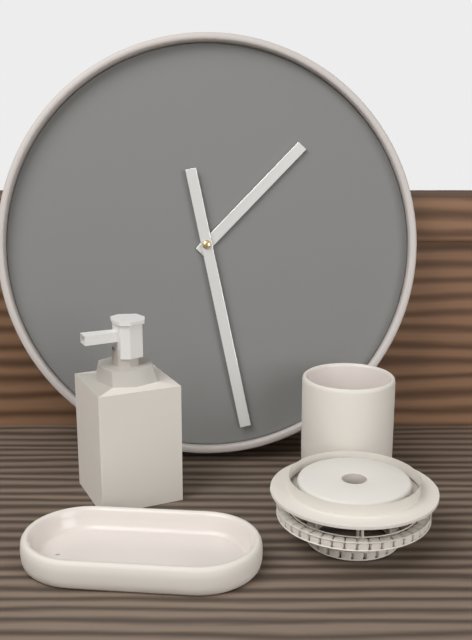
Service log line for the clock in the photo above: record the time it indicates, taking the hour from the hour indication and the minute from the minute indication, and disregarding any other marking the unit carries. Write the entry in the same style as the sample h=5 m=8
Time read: h=1 m=28
